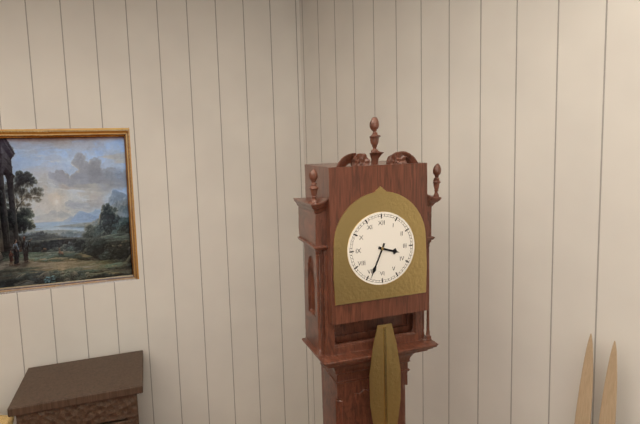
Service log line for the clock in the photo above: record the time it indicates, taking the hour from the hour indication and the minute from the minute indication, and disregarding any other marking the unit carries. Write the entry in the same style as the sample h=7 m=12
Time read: h=3 m=34
